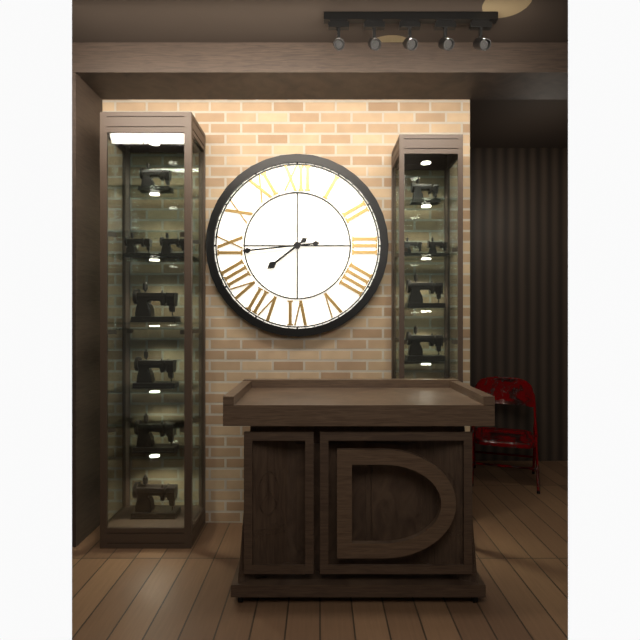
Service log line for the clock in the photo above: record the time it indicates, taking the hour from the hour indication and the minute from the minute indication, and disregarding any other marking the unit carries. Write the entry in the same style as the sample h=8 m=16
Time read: h=7 m=44
